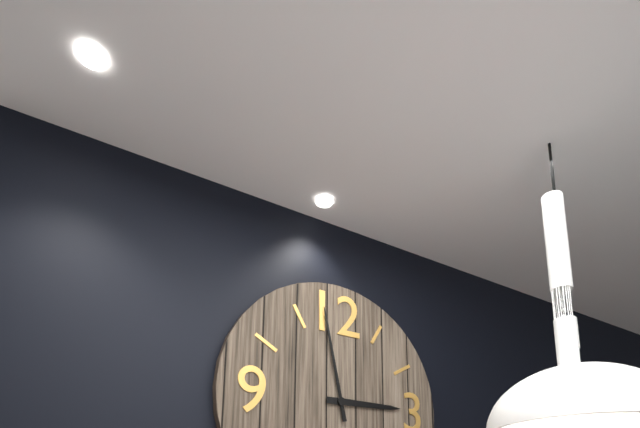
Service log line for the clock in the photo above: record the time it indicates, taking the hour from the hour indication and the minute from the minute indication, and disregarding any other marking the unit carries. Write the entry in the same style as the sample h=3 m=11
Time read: h=2 m=58
